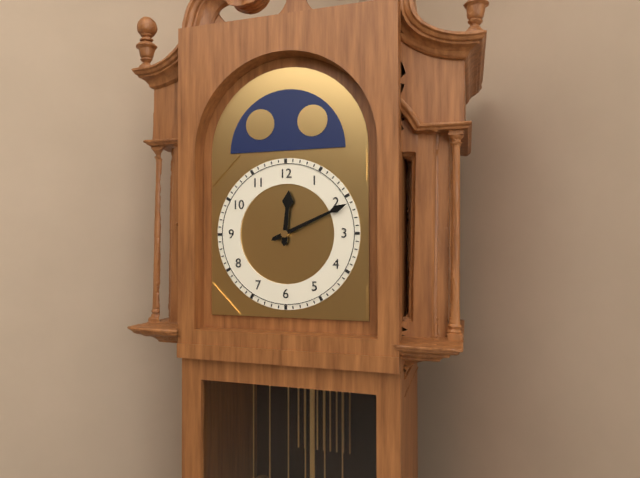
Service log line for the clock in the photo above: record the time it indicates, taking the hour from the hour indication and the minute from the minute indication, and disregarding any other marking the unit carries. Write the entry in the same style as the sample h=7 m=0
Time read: h=12 m=11
